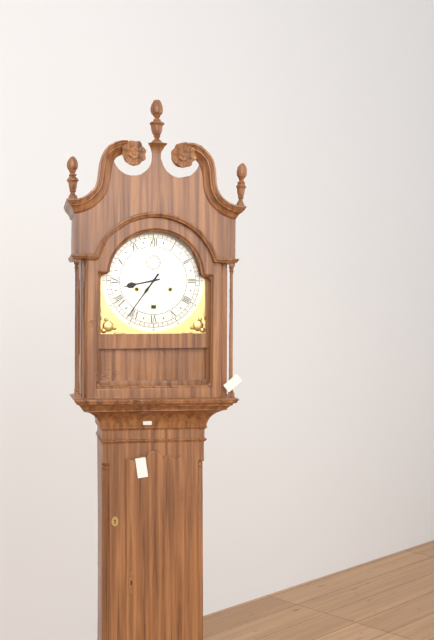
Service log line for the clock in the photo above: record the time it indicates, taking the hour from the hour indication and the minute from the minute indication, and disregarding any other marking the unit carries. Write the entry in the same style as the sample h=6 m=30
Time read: h=8 m=36
